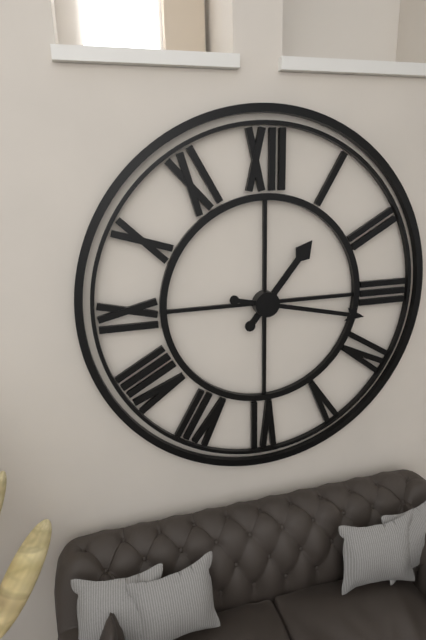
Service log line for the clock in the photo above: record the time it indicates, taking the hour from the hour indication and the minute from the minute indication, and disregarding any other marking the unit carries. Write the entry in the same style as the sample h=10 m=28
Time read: h=1 m=17
